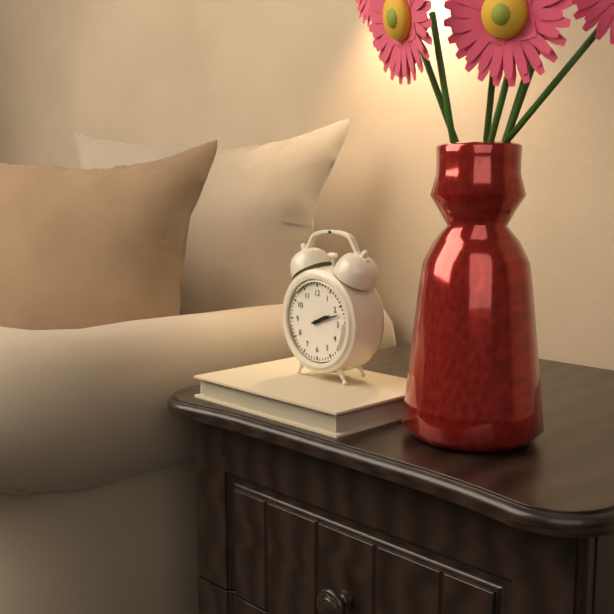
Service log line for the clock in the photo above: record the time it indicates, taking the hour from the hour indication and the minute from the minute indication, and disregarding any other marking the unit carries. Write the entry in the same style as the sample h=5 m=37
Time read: h=2 m=12
